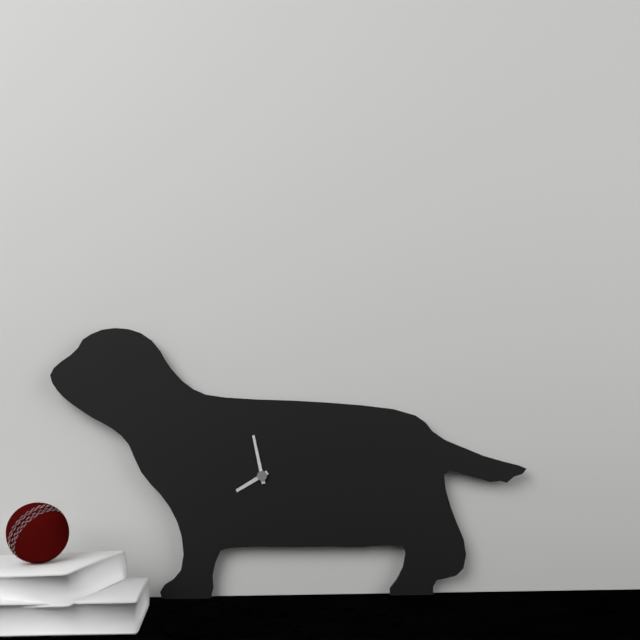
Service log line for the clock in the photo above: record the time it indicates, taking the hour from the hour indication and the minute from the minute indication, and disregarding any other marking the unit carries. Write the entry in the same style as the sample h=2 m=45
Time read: h=7 m=58
